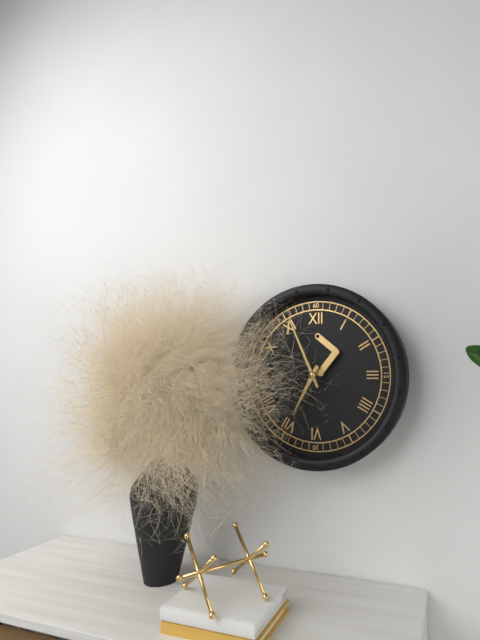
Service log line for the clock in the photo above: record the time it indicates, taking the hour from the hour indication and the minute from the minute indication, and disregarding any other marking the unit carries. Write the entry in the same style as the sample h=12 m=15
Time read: h=6 m=56
